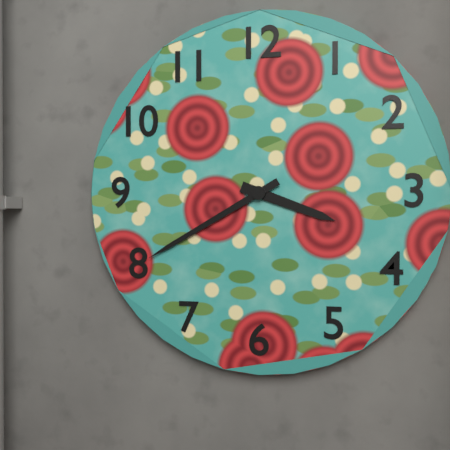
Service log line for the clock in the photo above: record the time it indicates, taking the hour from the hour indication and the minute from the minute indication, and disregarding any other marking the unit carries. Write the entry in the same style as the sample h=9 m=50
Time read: h=3 m=40
